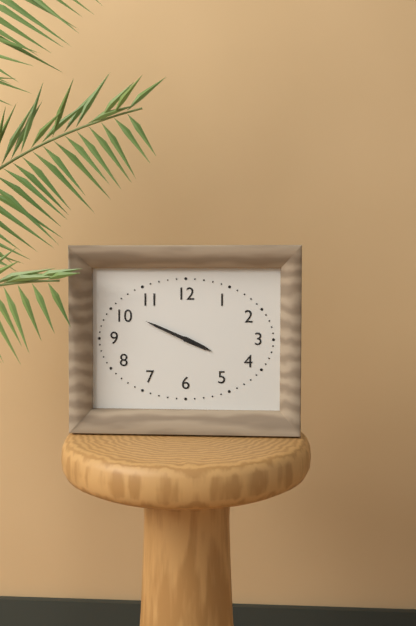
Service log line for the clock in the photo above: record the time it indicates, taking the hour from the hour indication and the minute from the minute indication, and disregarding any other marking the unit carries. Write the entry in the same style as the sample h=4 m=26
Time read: h=3 m=49
